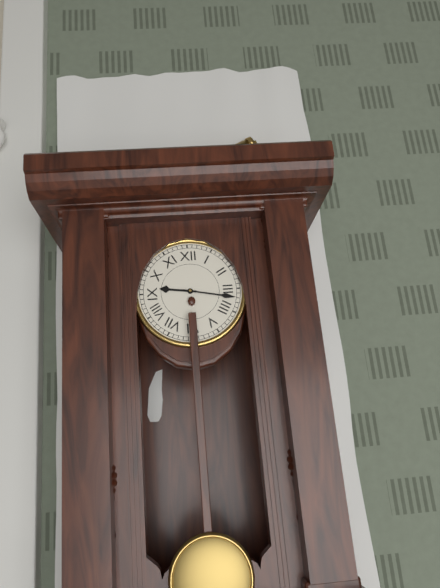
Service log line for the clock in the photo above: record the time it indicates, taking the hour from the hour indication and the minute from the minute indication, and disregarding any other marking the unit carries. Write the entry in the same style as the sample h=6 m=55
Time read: h=9 m=17
